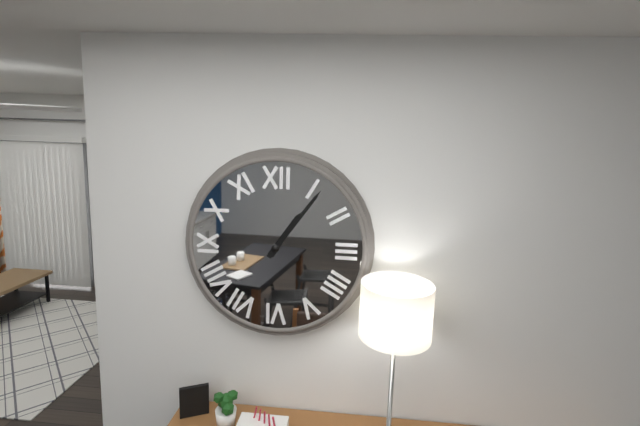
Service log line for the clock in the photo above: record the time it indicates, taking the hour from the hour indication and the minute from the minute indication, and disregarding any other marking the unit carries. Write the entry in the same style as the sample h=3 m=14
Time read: h=1 m=6
